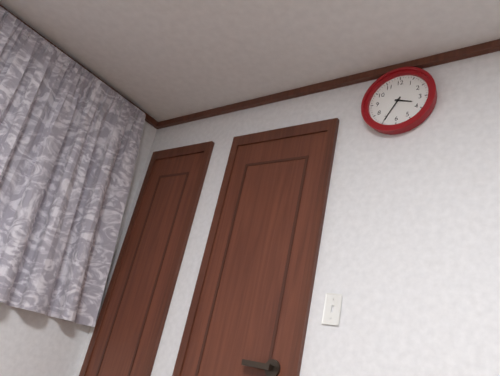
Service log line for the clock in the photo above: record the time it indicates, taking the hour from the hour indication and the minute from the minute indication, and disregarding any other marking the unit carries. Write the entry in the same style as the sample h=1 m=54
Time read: h=3 m=35
